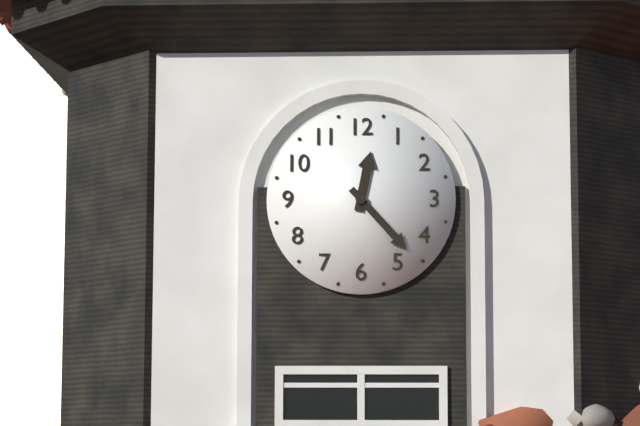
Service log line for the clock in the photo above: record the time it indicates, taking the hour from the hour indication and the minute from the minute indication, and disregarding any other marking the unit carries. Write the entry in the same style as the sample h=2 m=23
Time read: h=12 m=23
